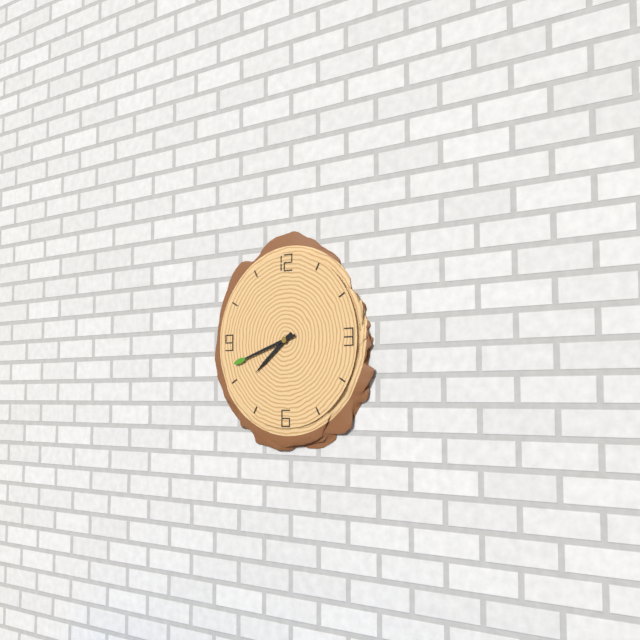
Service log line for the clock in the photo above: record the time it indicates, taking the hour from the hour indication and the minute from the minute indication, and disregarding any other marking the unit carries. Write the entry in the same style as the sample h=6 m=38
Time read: h=7 m=42
